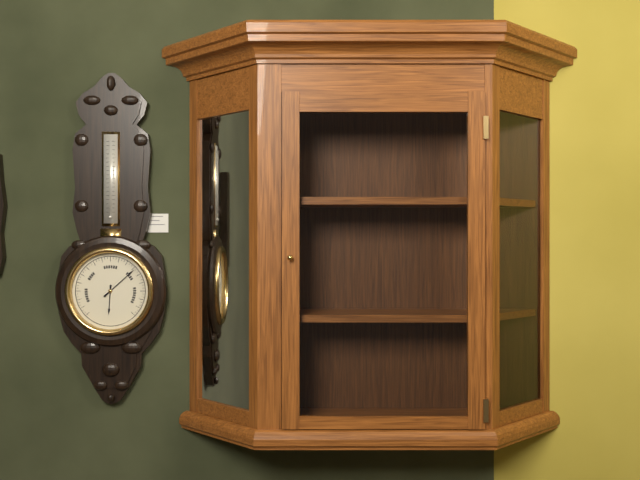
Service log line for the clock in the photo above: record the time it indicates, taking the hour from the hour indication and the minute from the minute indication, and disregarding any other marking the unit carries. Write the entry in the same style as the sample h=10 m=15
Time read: h=6 m=8
